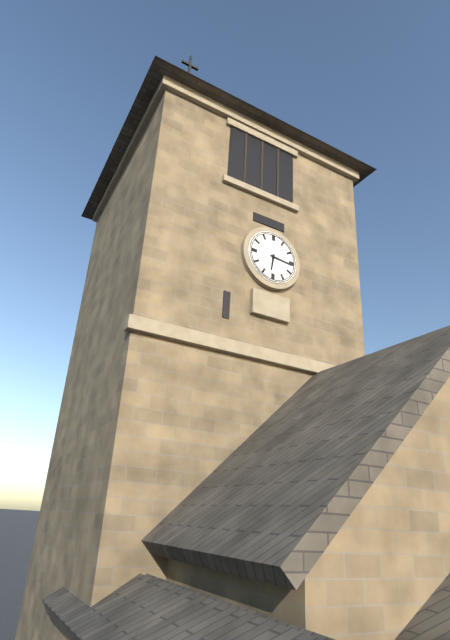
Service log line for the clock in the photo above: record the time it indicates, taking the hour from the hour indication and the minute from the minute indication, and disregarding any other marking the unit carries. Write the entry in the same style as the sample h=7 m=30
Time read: h=6 m=16
